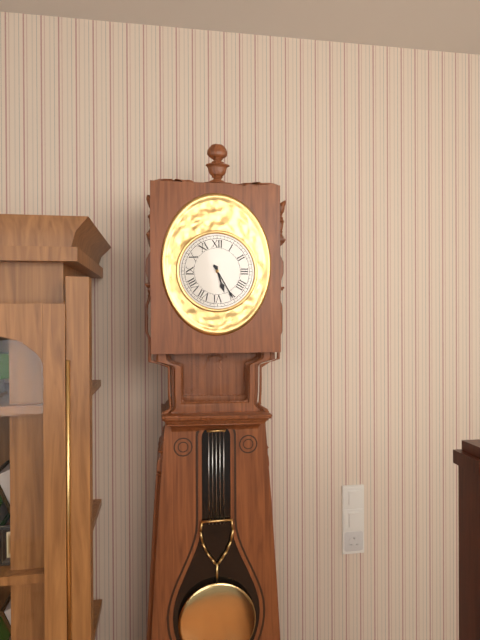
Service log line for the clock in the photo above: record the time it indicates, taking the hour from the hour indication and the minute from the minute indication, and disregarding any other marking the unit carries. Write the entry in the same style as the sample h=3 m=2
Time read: h=5 m=25
